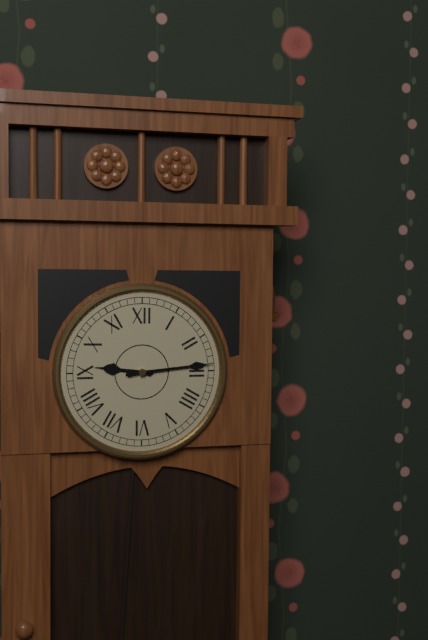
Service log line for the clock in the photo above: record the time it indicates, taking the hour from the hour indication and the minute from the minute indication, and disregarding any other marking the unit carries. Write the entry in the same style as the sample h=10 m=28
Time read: h=9 m=14
